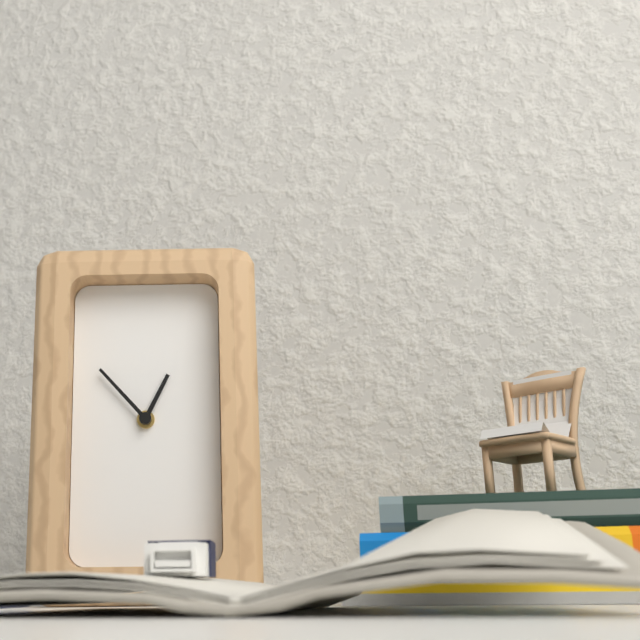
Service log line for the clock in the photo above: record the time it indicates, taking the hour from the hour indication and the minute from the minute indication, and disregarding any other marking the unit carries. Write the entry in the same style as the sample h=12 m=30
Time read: h=12 m=53
